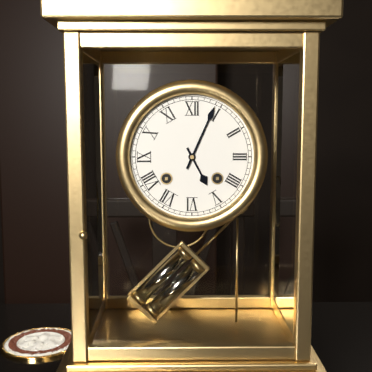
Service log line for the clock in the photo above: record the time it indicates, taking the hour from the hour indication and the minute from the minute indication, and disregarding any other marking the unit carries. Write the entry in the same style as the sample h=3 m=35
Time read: h=5 m=4
